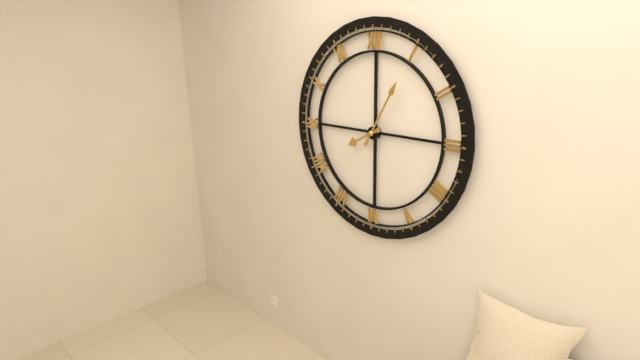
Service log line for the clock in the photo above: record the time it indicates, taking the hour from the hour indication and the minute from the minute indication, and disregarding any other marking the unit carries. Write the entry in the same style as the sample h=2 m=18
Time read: h=8 m=5
